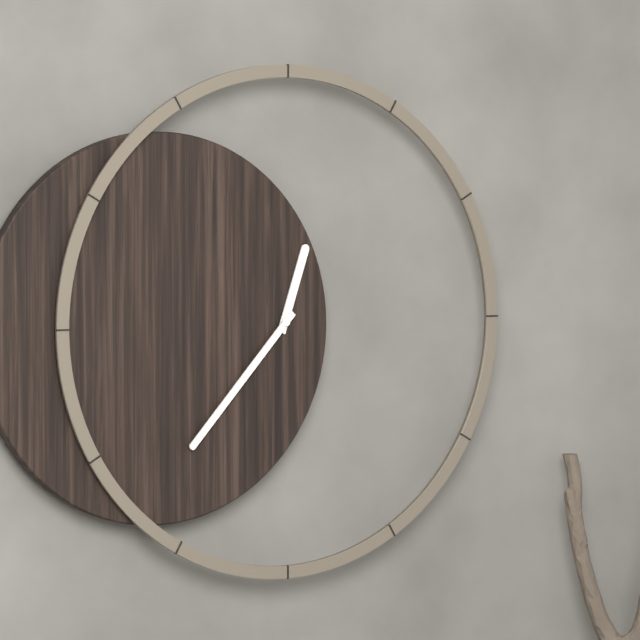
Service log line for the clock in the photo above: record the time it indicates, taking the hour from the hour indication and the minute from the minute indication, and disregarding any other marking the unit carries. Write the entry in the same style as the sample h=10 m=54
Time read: h=12 m=37
